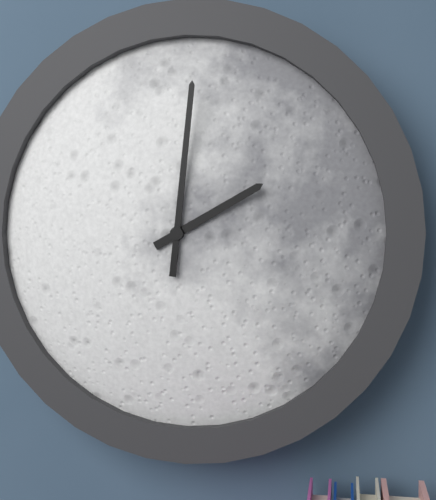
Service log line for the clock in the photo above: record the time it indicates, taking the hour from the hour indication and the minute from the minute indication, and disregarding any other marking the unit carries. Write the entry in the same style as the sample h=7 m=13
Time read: h=2 m=1
